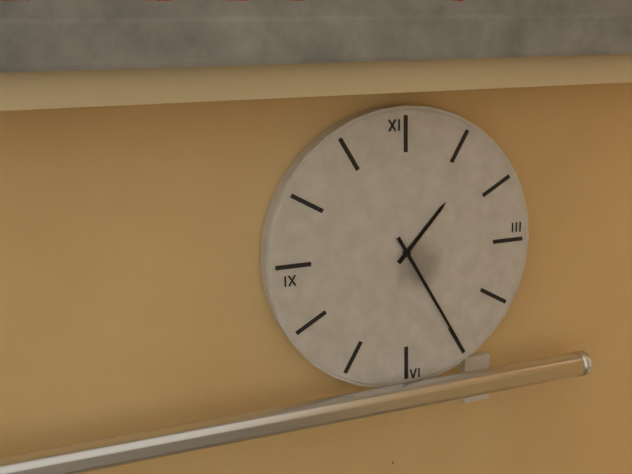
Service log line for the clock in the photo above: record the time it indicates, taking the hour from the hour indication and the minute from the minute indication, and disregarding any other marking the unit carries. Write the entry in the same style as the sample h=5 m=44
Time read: h=1 m=25
